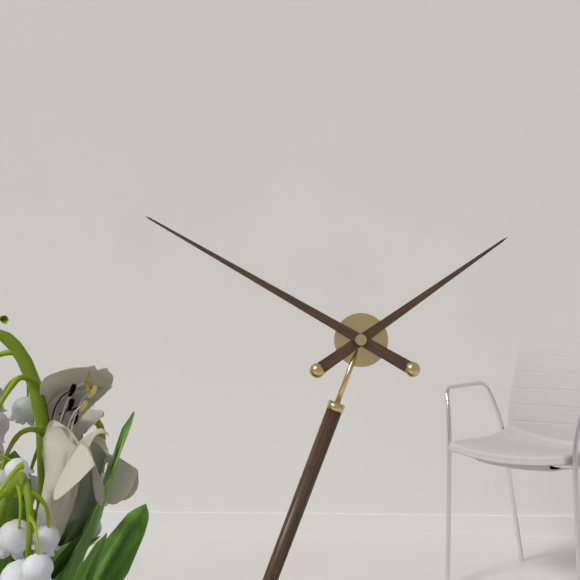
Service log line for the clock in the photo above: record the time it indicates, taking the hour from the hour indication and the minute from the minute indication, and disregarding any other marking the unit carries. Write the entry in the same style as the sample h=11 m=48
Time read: h=1 m=50
